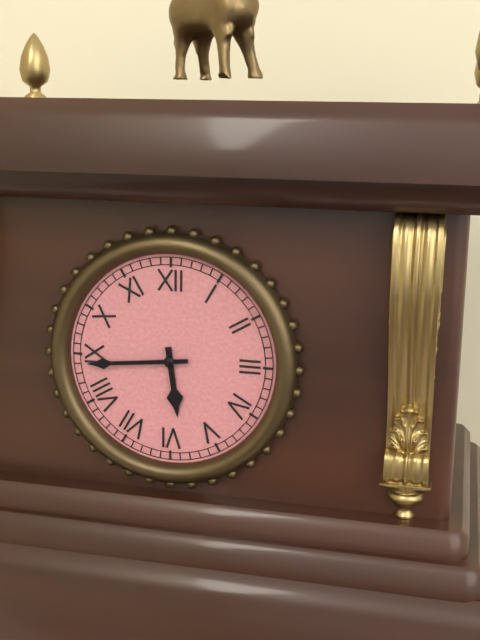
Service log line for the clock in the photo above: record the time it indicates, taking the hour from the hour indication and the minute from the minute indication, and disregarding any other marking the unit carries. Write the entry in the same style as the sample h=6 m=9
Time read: h=5 m=44
